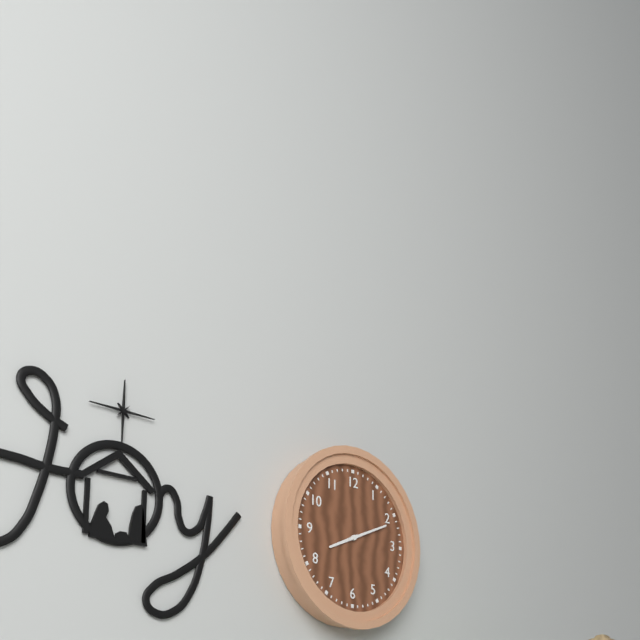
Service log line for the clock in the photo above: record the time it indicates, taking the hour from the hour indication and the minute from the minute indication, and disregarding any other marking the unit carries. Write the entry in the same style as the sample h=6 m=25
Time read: h=8 m=11
